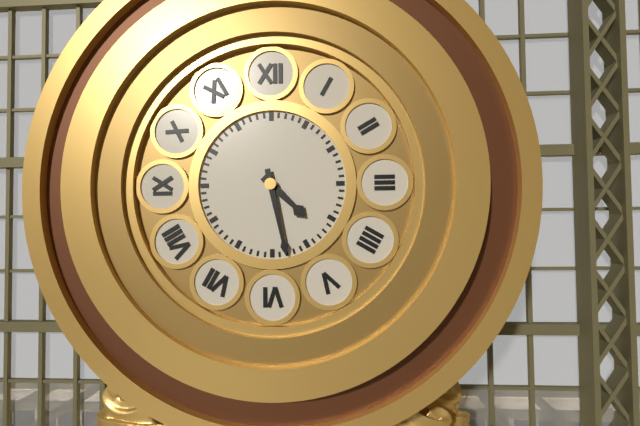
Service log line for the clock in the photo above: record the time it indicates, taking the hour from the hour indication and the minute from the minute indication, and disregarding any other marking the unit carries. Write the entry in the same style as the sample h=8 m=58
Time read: h=4 m=28
